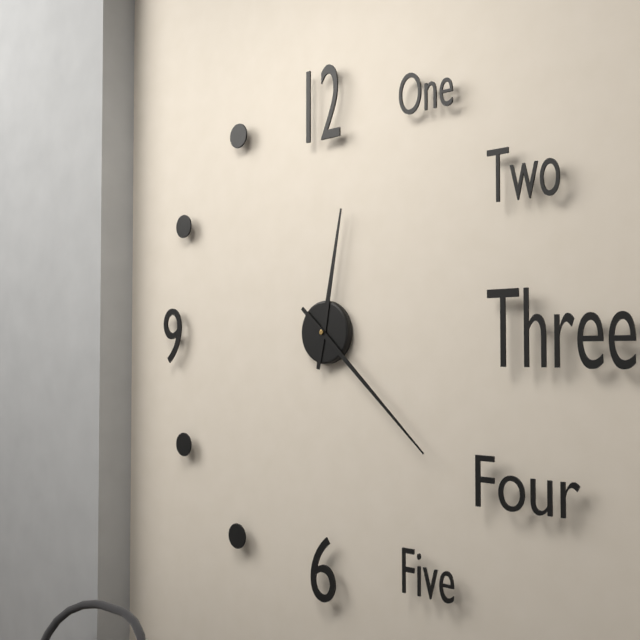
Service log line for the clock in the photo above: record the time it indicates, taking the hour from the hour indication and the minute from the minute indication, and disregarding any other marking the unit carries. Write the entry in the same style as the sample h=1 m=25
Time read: h=12 m=22
